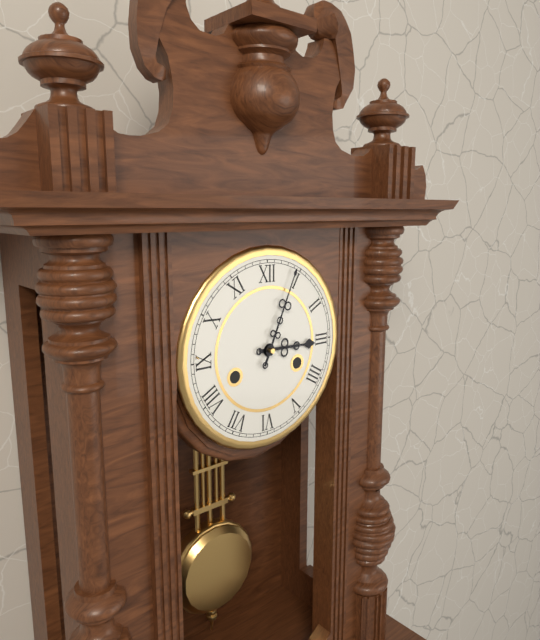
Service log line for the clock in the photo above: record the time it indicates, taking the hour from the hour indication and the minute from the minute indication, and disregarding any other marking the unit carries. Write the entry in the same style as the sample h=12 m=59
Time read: h=3 m=4
